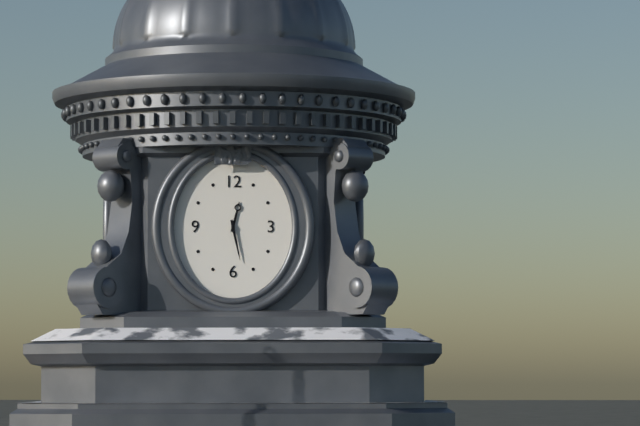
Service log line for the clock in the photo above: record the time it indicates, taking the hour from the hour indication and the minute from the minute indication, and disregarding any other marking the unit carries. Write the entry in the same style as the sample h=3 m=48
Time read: h=12 m=28
